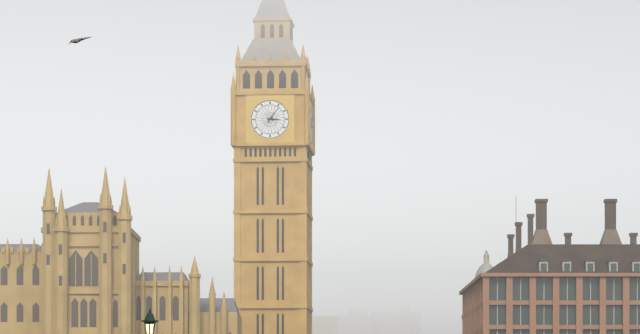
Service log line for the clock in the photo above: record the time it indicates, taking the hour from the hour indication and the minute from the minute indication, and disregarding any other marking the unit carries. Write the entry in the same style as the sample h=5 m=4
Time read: h=3 m=6
